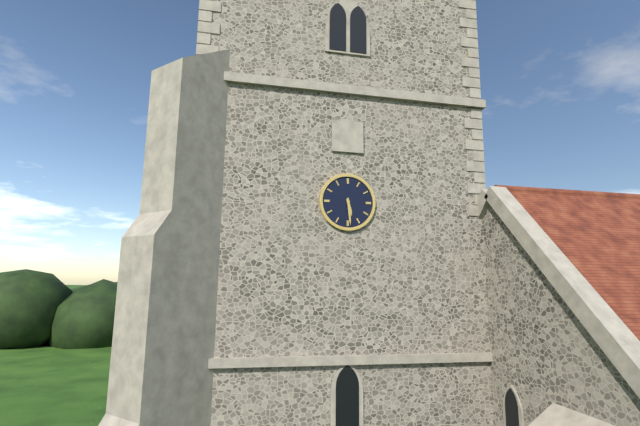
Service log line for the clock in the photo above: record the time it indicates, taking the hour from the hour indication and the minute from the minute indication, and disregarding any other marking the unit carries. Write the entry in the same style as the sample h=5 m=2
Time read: h=5 m=29
